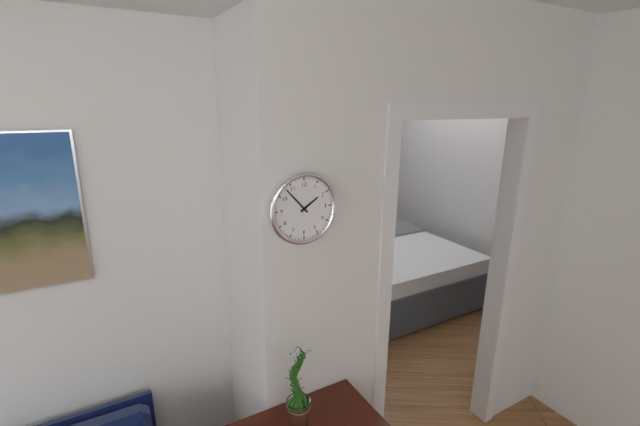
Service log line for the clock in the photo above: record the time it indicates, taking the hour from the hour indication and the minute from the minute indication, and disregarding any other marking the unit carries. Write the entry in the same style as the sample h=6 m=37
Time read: h=1 m=53
